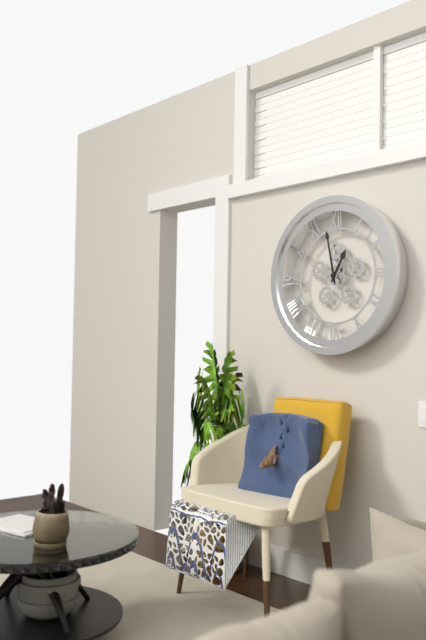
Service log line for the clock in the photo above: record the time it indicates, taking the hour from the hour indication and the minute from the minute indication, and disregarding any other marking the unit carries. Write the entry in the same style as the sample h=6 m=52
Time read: h=12 m=58
